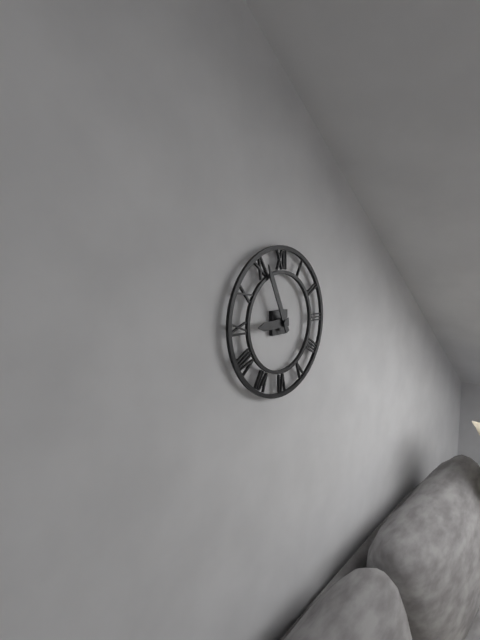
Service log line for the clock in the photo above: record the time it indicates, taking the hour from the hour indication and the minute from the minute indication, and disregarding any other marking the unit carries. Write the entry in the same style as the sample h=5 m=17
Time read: h=8 m=56
